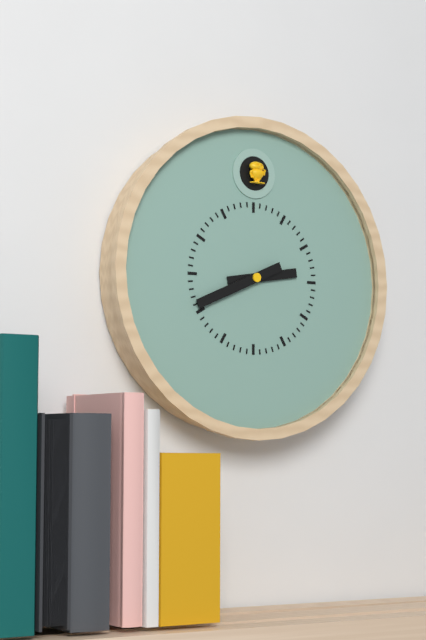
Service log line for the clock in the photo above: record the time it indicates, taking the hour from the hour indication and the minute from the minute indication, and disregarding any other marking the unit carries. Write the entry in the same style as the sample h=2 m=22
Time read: h=2 m=41
